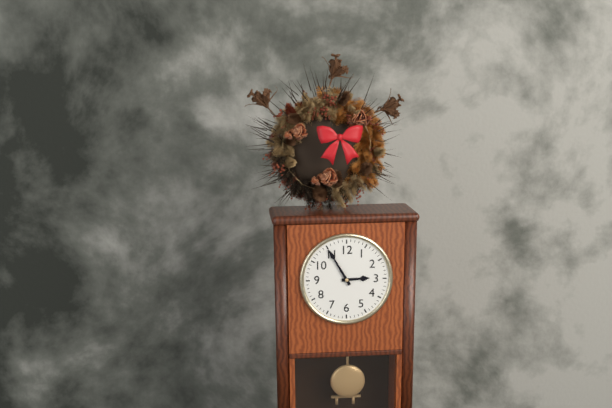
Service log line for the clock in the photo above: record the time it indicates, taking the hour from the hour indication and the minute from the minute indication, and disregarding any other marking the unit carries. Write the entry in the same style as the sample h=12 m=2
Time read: h=2 m=55
